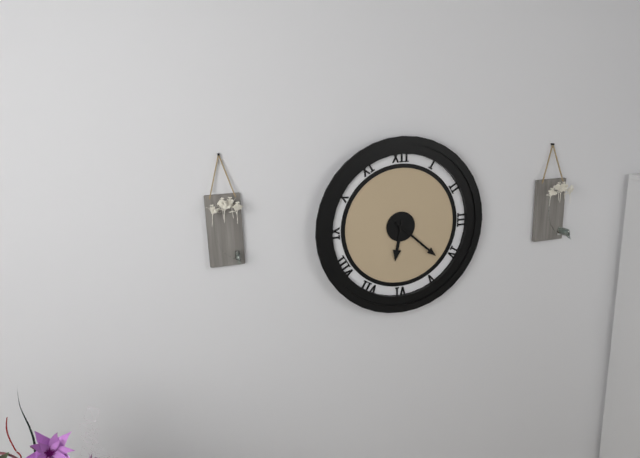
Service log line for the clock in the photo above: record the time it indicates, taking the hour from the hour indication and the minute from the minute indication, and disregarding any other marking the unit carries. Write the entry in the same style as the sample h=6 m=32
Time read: h=6 m=22
